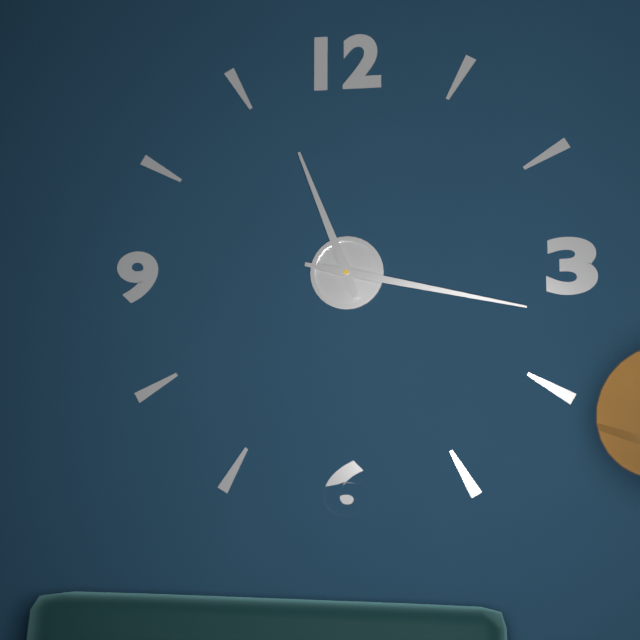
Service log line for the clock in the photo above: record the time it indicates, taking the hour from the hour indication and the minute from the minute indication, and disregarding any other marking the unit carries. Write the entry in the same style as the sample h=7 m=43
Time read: h=11 m=17
